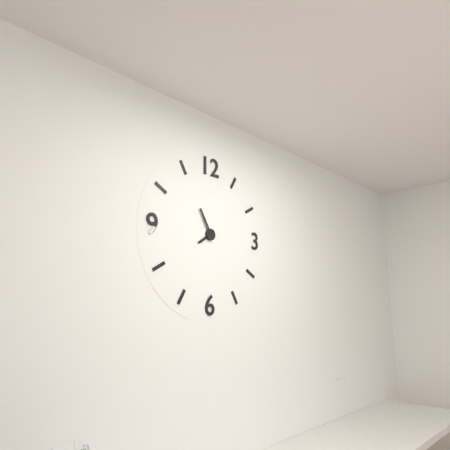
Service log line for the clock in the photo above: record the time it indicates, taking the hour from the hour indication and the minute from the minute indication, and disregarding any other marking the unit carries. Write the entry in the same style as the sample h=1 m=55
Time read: h=7 m=55
